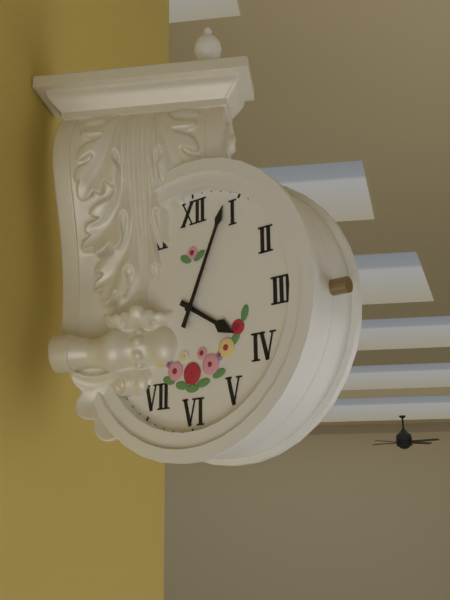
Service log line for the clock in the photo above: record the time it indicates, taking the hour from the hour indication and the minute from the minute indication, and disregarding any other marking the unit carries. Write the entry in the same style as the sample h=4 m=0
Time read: h=4 m=4
